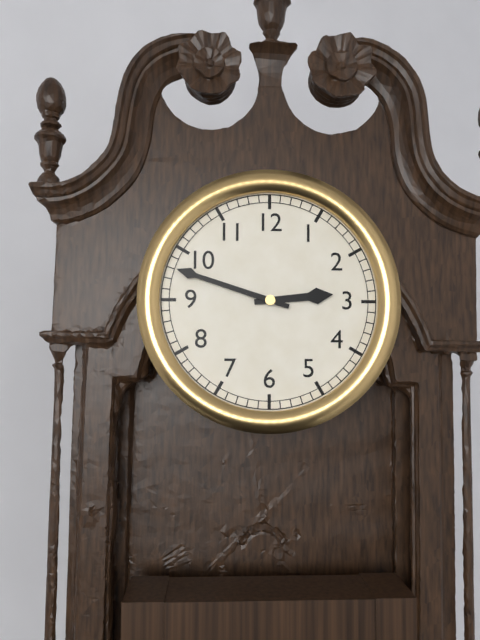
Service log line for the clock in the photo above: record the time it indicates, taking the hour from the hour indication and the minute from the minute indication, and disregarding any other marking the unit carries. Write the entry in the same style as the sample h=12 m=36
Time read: h=2 m=48
